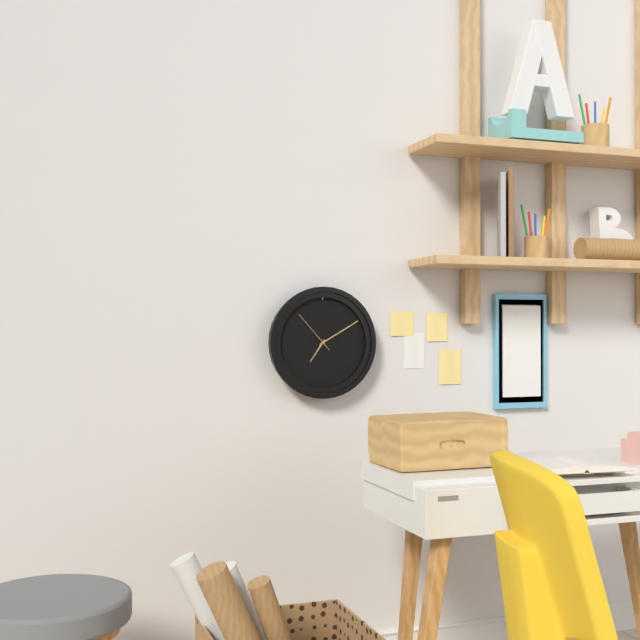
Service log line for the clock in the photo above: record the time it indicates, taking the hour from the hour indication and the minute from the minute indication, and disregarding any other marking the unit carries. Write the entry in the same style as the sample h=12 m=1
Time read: h=7 m=10
